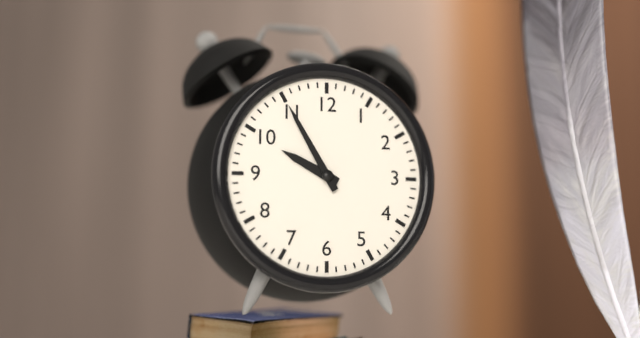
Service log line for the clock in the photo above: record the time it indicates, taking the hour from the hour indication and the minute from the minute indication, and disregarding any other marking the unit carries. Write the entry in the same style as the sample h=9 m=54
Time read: h=9 m=55
